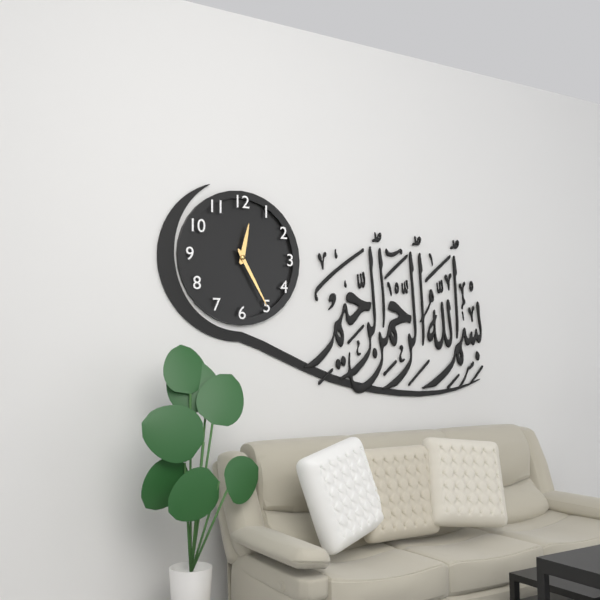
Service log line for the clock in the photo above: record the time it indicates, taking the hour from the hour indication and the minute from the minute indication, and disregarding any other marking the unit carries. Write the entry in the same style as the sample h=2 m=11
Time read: h=12 m=25
